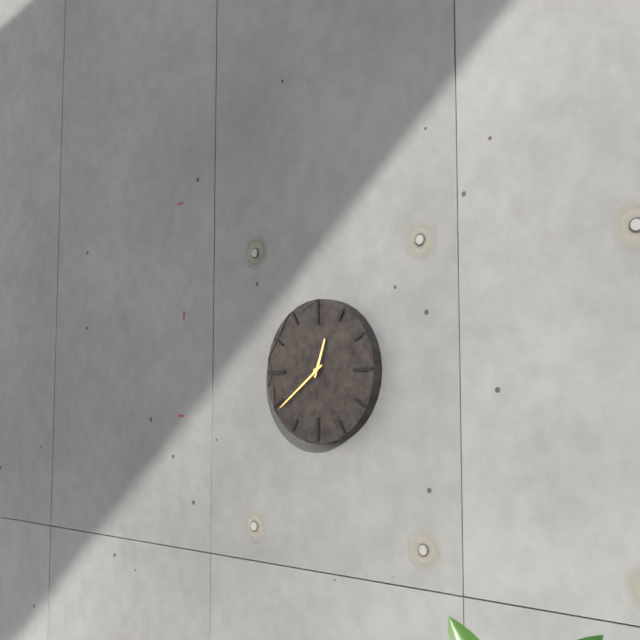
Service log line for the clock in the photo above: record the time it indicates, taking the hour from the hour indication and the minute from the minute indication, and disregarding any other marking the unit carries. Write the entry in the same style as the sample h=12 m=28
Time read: h=12 m=39
